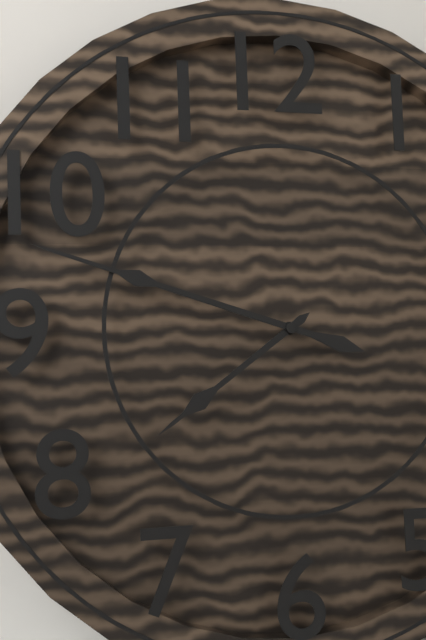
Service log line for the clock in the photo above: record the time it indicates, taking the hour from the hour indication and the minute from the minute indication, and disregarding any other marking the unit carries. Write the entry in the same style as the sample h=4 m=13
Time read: h=7 m=48
